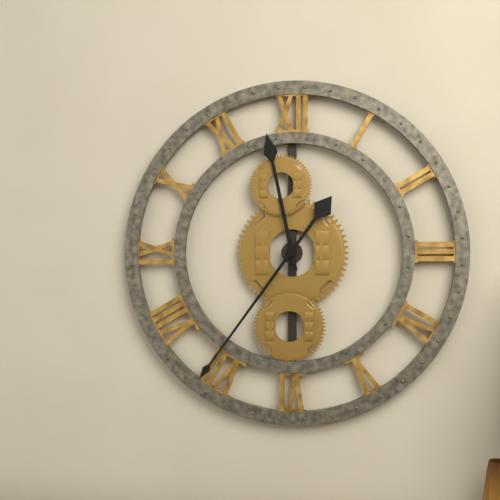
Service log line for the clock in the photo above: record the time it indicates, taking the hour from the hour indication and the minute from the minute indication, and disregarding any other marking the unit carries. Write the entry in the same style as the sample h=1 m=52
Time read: h=11 m=36
